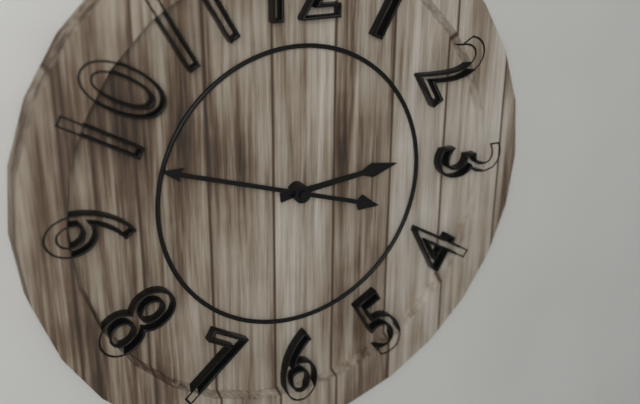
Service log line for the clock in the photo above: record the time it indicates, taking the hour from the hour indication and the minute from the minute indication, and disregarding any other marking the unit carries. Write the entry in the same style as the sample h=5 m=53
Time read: h=2 m=48
